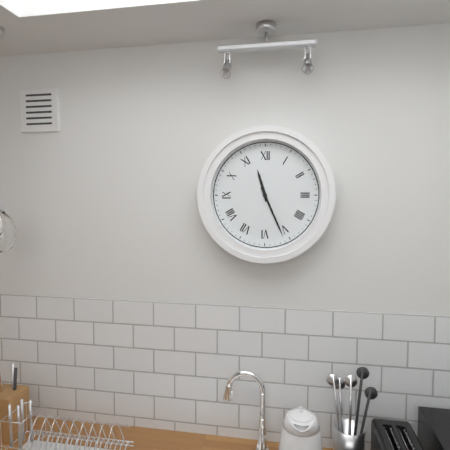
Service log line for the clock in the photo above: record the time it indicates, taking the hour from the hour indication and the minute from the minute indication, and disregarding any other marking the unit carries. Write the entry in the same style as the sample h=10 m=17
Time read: h=11 m=26
